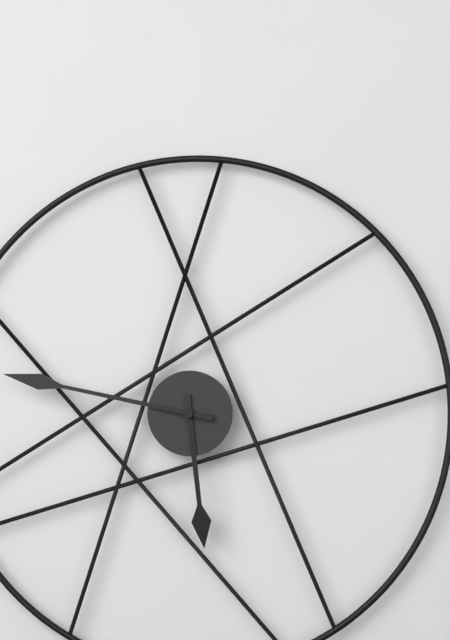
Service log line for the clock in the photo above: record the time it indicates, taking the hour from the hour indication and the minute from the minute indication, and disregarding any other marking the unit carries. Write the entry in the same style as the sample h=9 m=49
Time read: h=5 m=47
